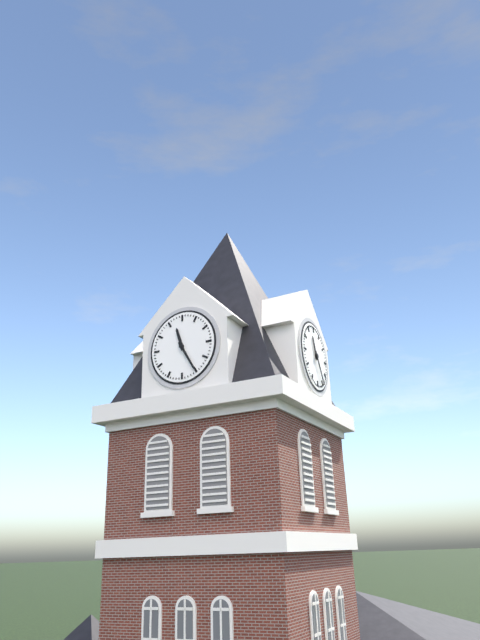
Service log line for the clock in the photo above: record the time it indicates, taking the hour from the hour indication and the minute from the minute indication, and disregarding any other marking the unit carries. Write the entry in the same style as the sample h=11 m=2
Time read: h=11 m=25
